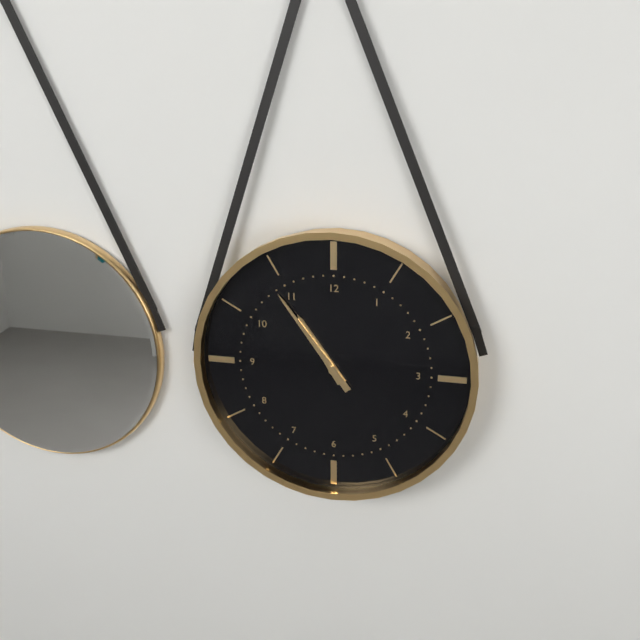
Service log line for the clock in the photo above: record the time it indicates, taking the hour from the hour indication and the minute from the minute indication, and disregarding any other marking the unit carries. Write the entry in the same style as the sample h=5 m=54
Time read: h=10 m=54
